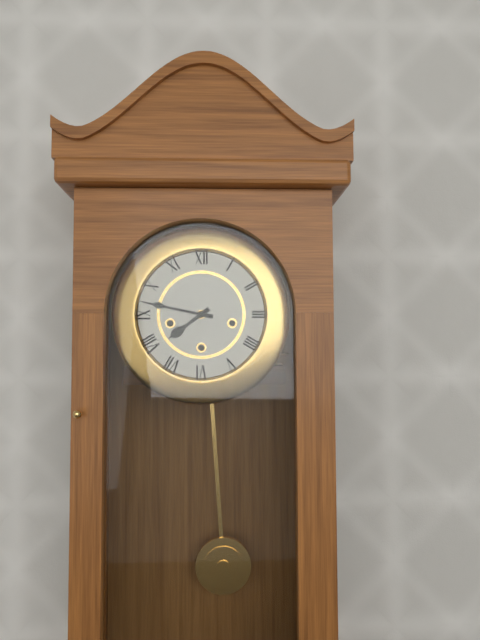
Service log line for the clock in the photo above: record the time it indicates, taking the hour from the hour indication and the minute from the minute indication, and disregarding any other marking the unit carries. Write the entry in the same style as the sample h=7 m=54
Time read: h=7 m=47
